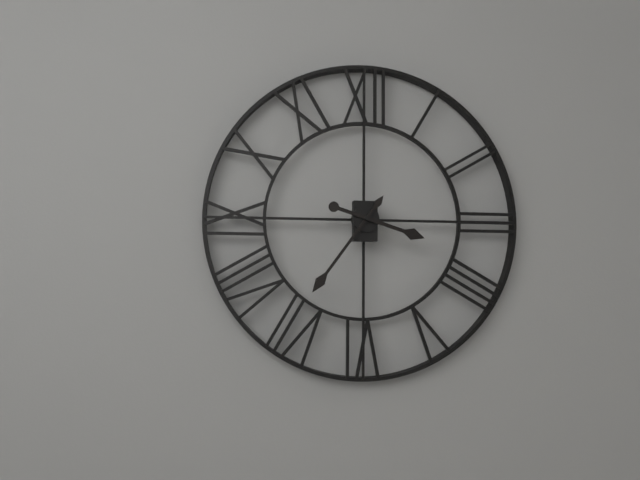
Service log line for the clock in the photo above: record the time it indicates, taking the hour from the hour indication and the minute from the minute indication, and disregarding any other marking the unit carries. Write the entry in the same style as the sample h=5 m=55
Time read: h=3 m=36
